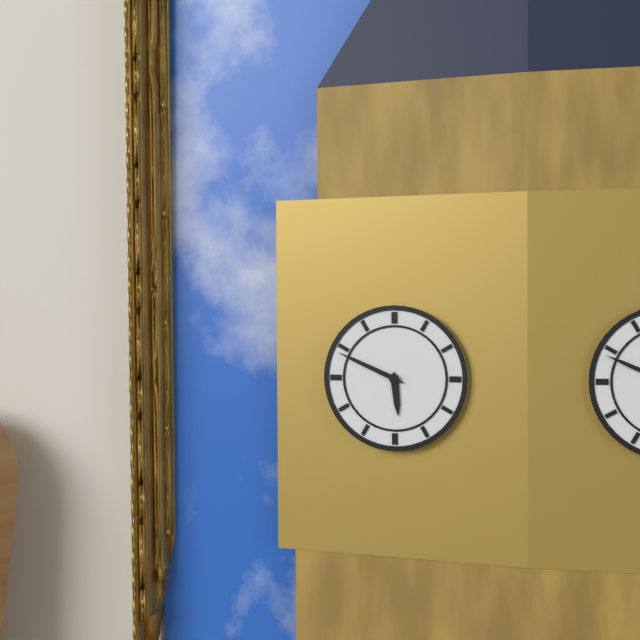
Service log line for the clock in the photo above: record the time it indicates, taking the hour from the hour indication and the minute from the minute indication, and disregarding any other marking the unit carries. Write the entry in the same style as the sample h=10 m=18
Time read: h=5 m=49
